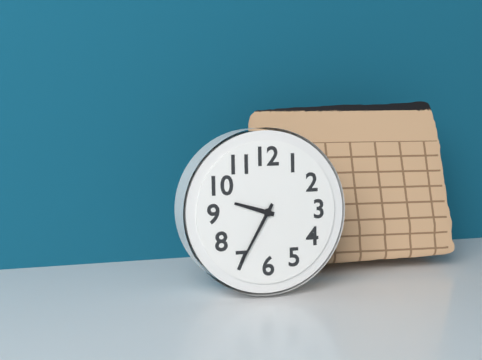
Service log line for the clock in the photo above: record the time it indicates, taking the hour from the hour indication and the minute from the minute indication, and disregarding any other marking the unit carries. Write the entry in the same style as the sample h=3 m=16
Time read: h=9 m=35
